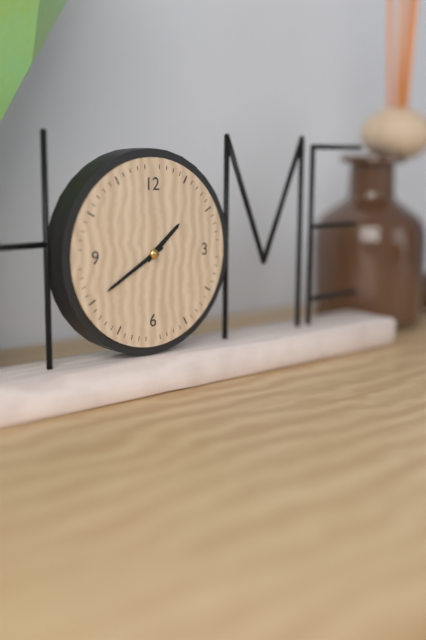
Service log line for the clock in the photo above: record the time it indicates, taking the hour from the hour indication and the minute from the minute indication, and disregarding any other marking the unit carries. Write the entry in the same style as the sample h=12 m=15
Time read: h=1 m=40
